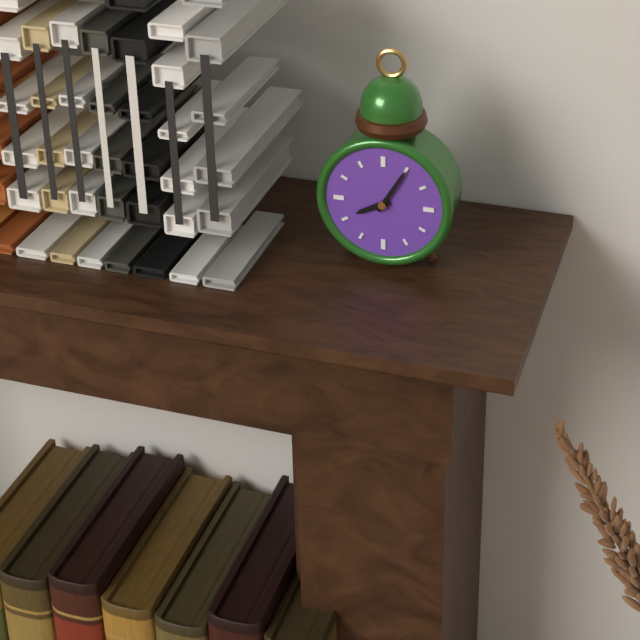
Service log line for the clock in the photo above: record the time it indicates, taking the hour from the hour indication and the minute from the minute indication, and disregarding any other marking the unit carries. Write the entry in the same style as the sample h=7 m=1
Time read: h=8 m=5
